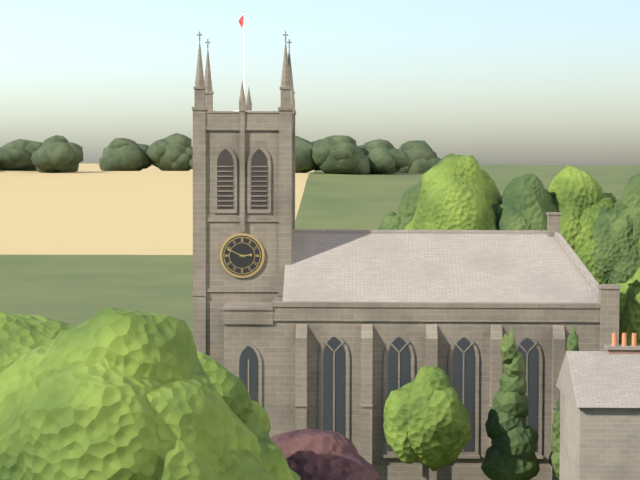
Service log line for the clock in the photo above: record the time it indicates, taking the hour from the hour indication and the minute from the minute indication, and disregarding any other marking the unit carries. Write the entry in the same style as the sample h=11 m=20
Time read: h=2 m=49
